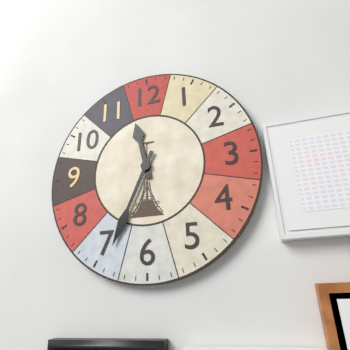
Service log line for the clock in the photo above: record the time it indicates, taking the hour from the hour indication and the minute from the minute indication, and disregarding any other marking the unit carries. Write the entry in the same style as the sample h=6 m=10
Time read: h=11 m=34
